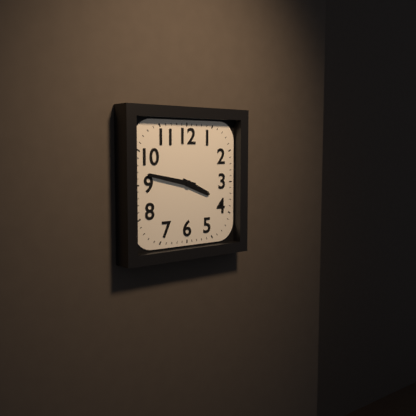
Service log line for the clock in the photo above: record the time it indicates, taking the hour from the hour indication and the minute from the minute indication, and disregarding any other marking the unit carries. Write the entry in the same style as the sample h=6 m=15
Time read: h=3 m=47
